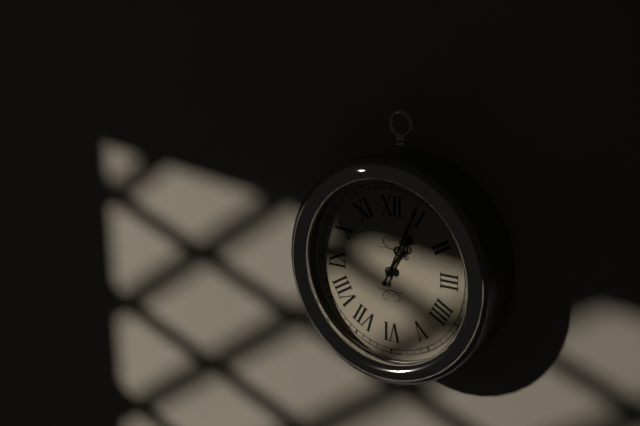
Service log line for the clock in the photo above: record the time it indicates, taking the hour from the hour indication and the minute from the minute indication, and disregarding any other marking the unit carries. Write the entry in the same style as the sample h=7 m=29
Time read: h=1 m=4
